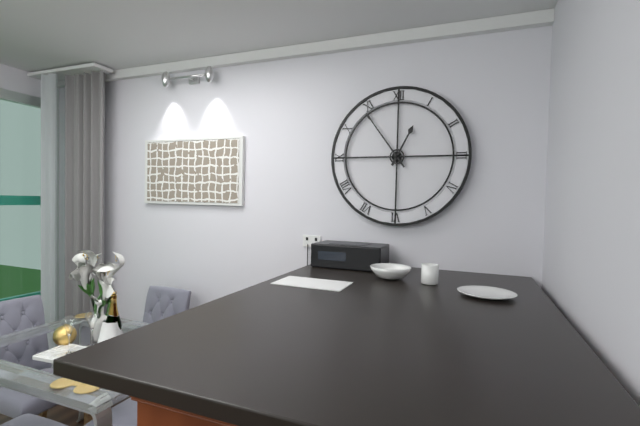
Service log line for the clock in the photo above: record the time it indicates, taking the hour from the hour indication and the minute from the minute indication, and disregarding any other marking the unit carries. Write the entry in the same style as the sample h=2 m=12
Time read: h=12 m=54
